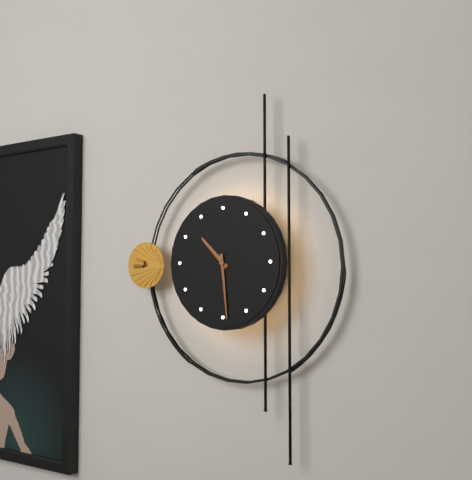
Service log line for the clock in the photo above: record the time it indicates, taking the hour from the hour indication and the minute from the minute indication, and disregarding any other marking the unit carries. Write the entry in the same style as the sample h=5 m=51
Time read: h=10 m=29
